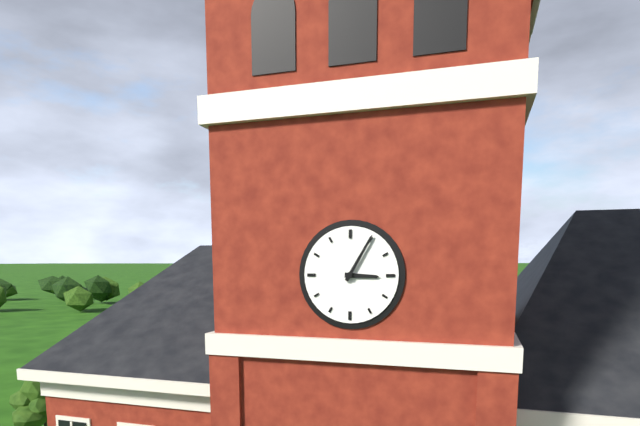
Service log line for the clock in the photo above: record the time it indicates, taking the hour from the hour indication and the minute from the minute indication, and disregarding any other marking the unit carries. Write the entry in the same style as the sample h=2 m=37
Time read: h=3 m=5
